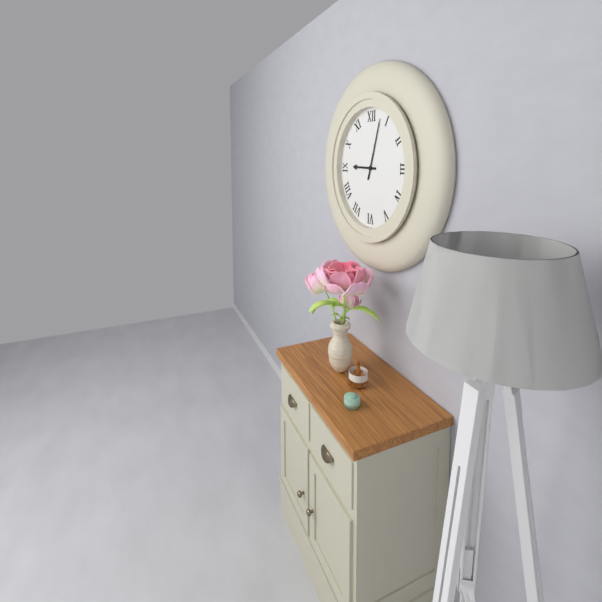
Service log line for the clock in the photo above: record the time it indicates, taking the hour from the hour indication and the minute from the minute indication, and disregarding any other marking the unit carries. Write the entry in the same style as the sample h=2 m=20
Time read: h=9 m=3
